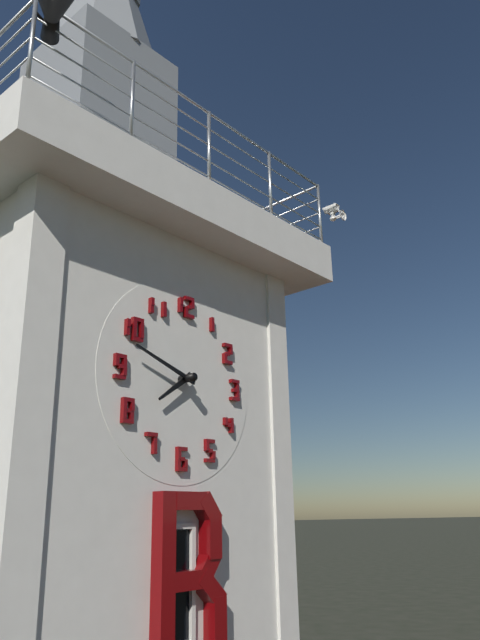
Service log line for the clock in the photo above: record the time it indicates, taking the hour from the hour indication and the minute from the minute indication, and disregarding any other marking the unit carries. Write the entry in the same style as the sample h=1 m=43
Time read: h=7 m=48
